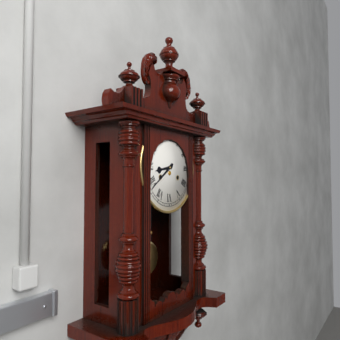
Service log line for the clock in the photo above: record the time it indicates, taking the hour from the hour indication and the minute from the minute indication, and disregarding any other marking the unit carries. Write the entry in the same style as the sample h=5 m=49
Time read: h=8 m=39
